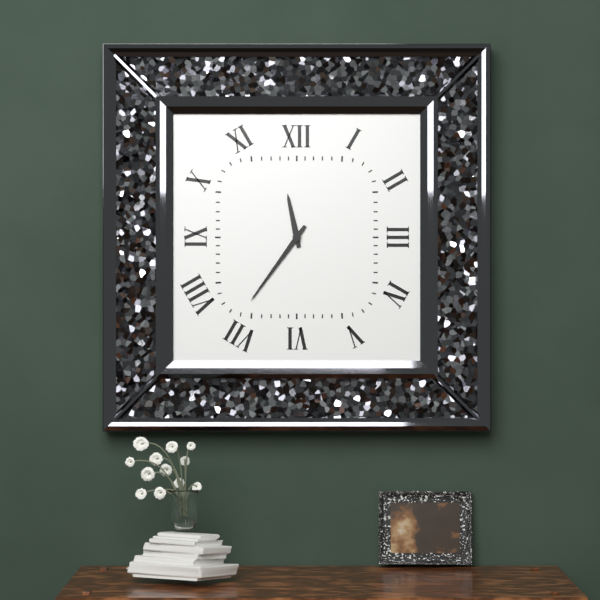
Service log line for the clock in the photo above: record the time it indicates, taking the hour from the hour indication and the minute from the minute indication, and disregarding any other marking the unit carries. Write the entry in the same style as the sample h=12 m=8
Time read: h=11 m=36
